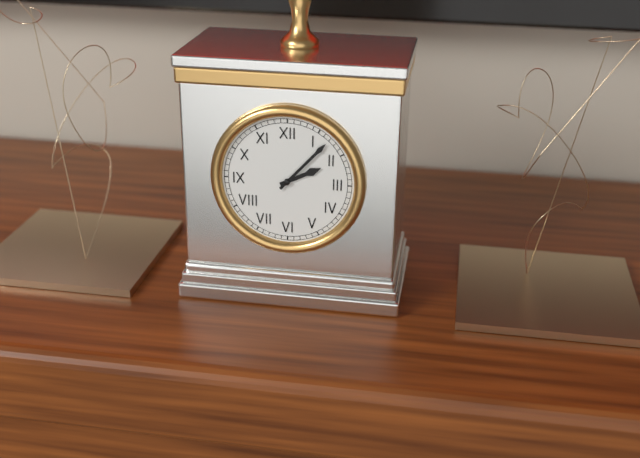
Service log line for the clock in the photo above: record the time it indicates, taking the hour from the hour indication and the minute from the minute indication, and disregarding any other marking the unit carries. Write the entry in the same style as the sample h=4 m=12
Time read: h=2 m=7
